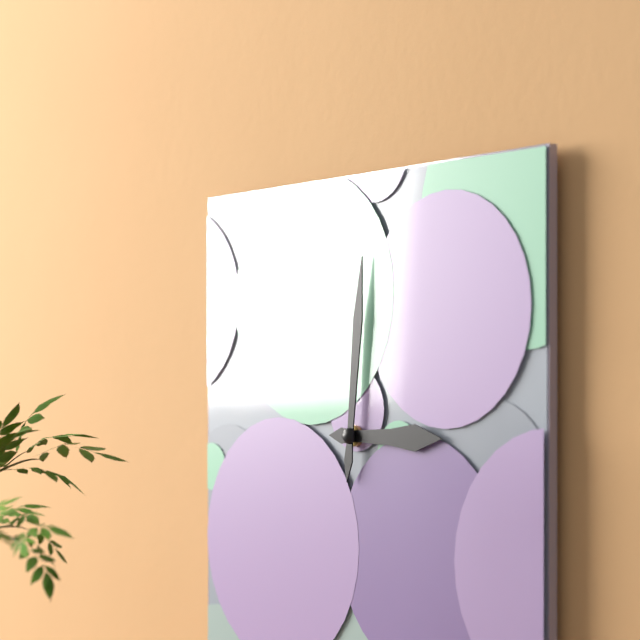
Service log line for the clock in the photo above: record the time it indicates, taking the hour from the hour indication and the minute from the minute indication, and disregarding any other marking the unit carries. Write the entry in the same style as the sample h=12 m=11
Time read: h=3 m=1
